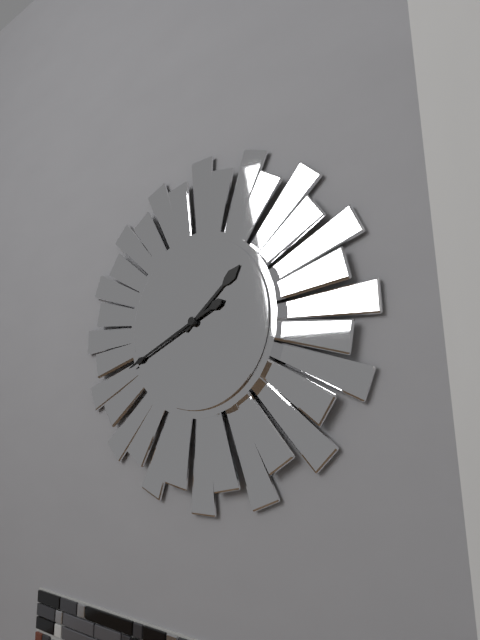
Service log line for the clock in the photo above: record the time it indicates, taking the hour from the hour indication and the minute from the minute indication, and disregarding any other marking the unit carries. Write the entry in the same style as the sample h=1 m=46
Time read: h=1 m=41
